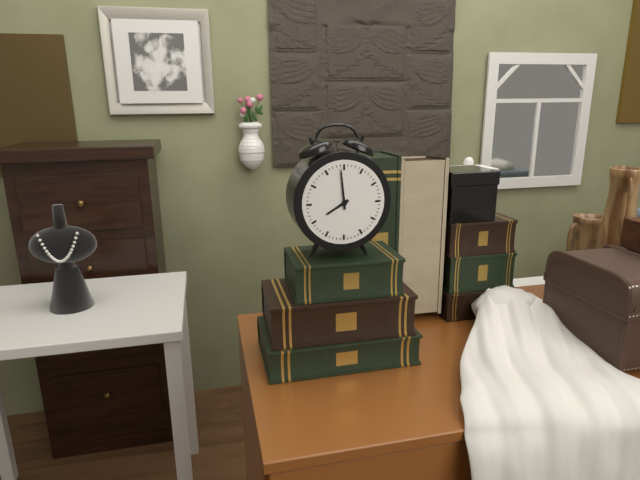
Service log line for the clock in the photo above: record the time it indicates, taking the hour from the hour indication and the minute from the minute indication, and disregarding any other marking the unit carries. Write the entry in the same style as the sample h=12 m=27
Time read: h=7 m=59
